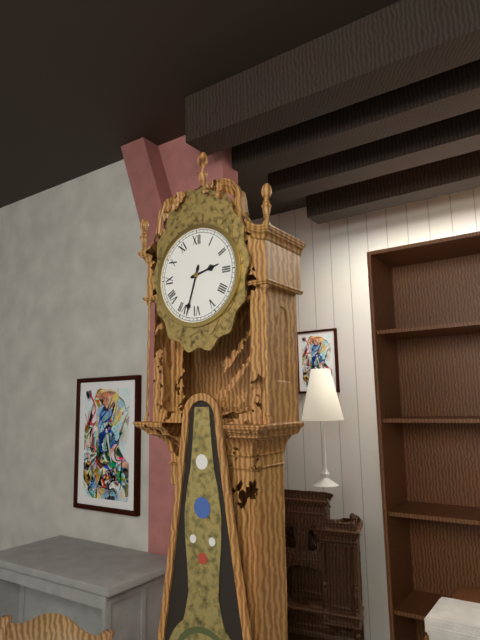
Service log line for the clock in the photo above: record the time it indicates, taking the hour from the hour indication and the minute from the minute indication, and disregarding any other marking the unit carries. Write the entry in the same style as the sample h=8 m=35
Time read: h=2 m=33
